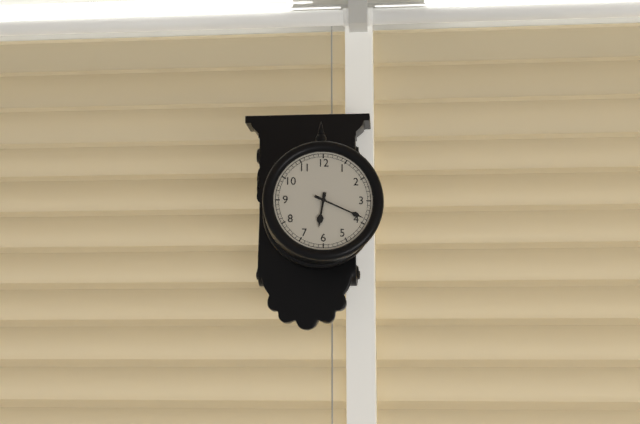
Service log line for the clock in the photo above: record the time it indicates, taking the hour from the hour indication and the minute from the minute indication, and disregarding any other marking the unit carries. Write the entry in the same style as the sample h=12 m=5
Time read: h=6 m=19
